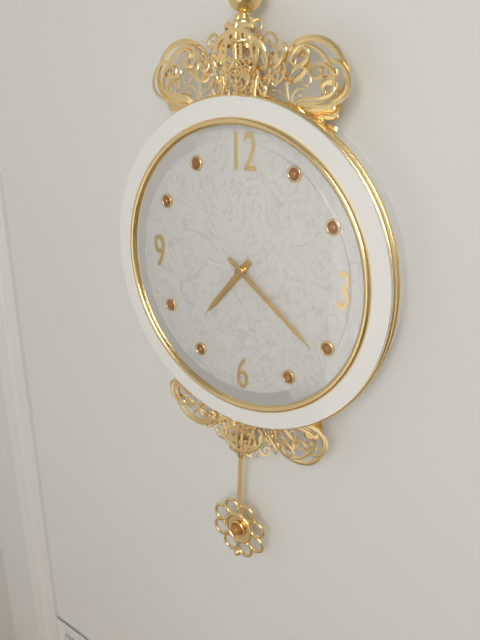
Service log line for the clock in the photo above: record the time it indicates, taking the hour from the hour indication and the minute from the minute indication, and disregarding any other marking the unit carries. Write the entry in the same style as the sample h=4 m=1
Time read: h=7 m=21
